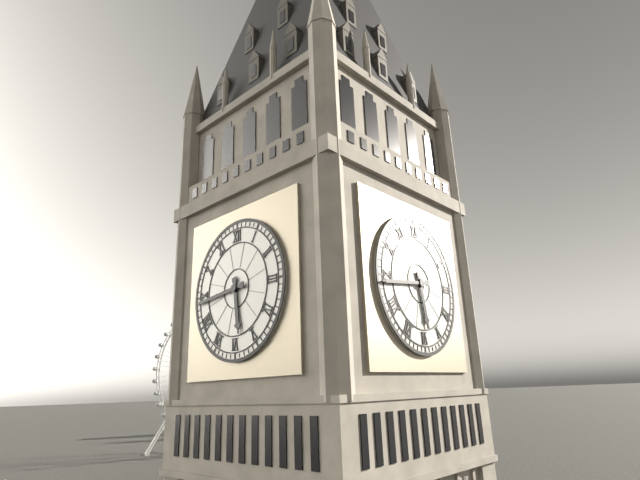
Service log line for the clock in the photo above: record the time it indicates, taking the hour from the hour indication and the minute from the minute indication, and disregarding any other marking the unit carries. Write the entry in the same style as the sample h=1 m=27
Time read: h=5 m=44
